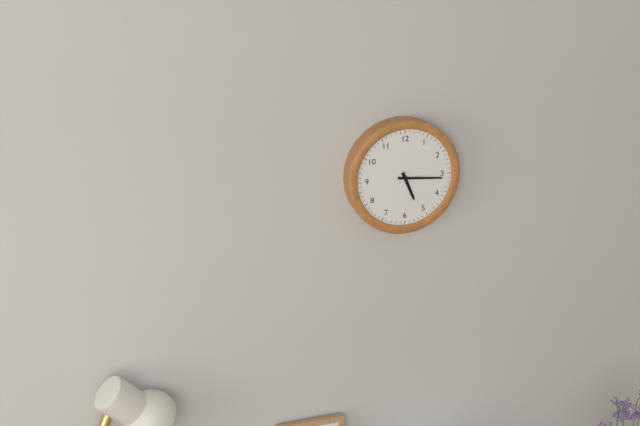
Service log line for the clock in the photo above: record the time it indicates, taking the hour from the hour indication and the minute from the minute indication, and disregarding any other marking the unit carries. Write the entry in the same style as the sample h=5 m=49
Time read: h=5 m=16
